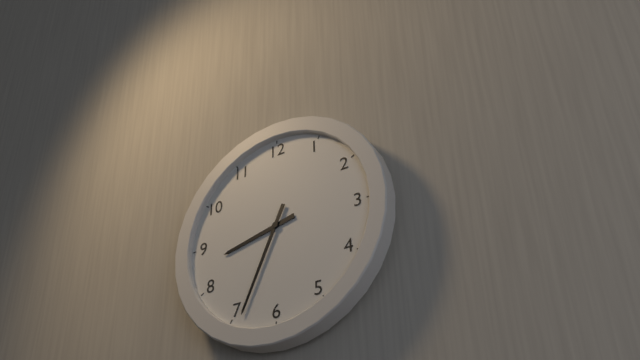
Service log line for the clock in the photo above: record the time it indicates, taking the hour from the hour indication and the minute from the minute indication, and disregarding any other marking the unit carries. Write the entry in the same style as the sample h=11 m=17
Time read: h=8 m=34
